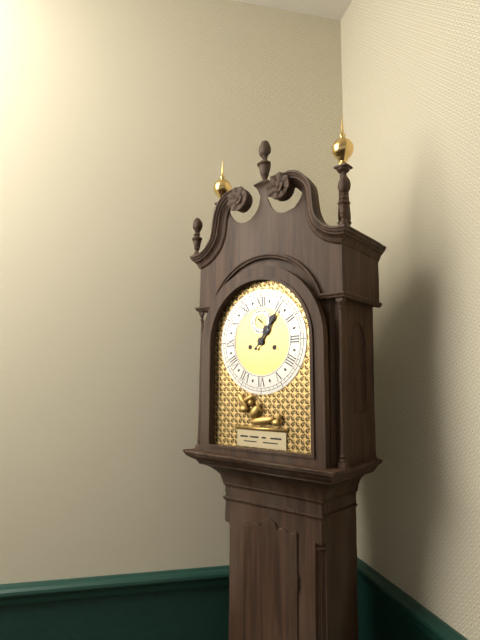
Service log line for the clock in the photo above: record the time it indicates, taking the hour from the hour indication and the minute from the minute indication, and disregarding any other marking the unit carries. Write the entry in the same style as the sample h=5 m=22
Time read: h=1 m=6
